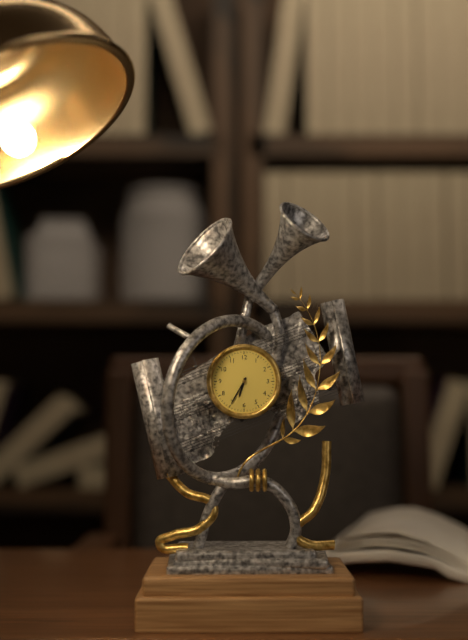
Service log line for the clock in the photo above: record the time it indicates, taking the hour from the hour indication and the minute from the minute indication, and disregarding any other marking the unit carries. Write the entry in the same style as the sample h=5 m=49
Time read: h=6 m=35
